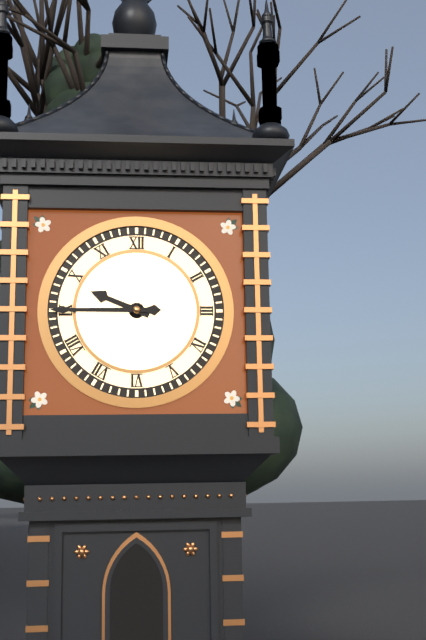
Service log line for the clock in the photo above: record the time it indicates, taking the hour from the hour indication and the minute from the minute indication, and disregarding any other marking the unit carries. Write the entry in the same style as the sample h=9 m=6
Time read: h=9 m=45
